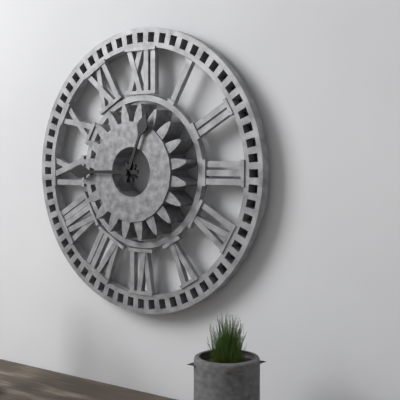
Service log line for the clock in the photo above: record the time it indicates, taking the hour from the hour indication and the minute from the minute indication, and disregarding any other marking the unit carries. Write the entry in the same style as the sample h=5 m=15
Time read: h=12 m=45
